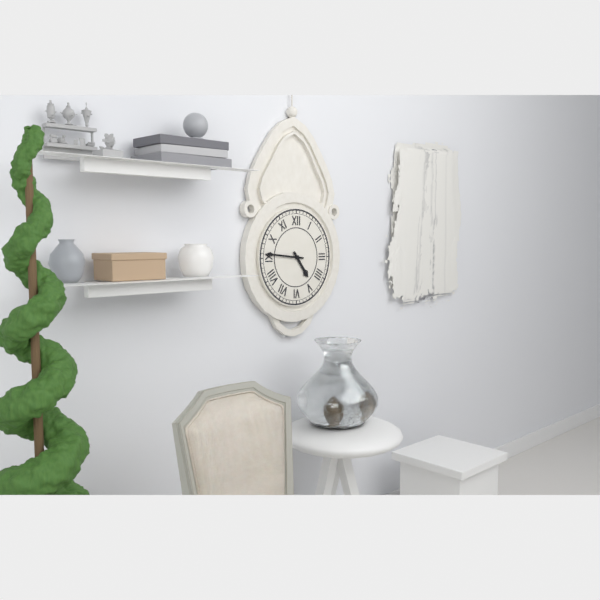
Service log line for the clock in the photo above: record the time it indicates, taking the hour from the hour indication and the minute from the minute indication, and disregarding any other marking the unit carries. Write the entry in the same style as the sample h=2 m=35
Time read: h=4 m=46
